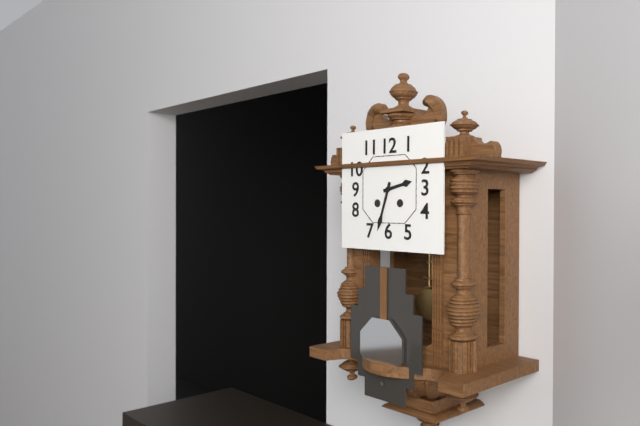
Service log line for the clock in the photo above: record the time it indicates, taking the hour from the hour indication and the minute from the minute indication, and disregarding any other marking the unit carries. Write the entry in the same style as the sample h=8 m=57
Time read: h=2 m=33
